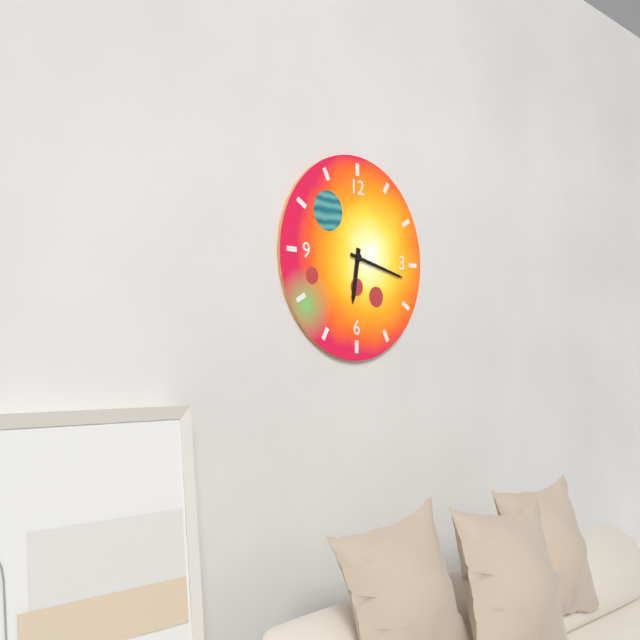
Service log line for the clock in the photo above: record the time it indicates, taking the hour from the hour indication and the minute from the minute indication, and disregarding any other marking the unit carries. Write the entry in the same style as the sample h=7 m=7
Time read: h=6 m=17
